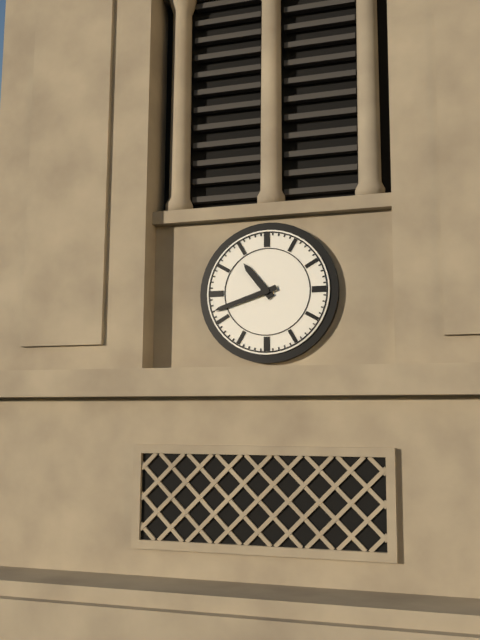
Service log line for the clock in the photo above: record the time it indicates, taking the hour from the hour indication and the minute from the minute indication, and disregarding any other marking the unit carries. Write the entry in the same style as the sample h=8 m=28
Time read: h=10 m=42
